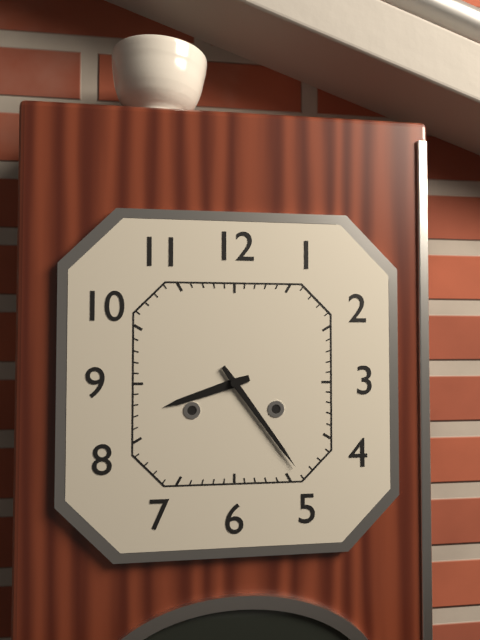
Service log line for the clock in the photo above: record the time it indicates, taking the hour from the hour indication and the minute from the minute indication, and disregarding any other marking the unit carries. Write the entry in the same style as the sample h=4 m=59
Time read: h=8 m=24
